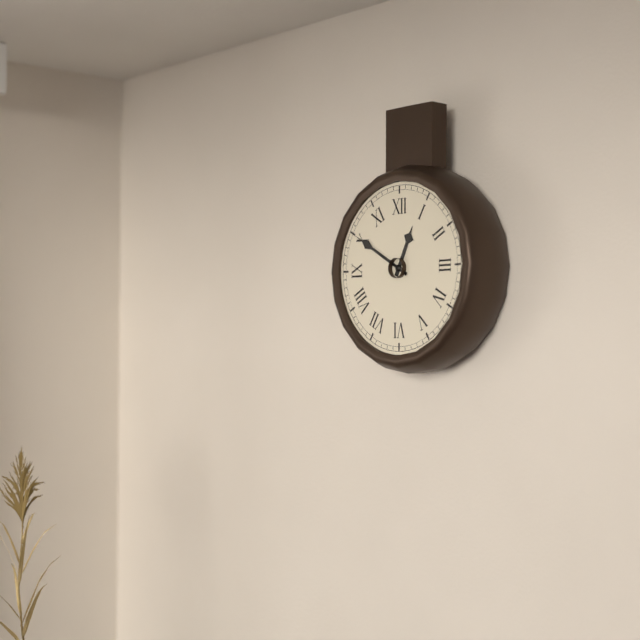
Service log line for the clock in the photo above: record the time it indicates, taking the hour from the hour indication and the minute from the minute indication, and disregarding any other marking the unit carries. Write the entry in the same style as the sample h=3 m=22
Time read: h=12 m=50
